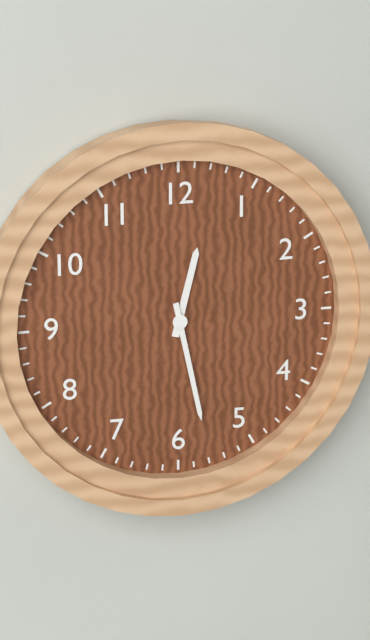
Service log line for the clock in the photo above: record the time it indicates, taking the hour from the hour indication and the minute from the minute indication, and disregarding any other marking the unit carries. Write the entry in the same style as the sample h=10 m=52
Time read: h=12 m=28
